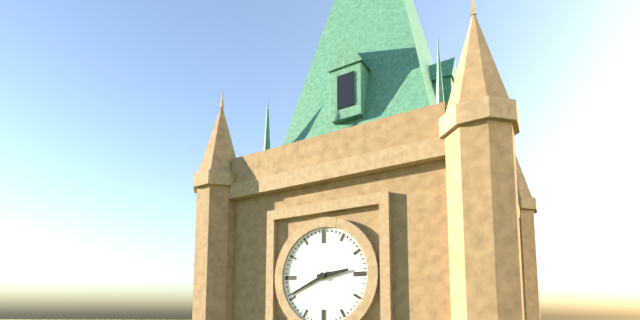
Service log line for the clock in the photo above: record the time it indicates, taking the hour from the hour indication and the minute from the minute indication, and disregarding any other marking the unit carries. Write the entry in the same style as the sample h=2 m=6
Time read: h=2 m=41
